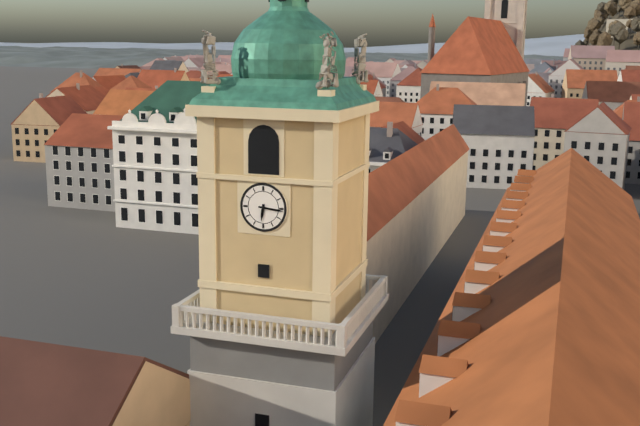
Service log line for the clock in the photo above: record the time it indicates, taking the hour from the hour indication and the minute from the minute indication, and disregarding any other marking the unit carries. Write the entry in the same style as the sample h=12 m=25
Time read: h=6 m=16
